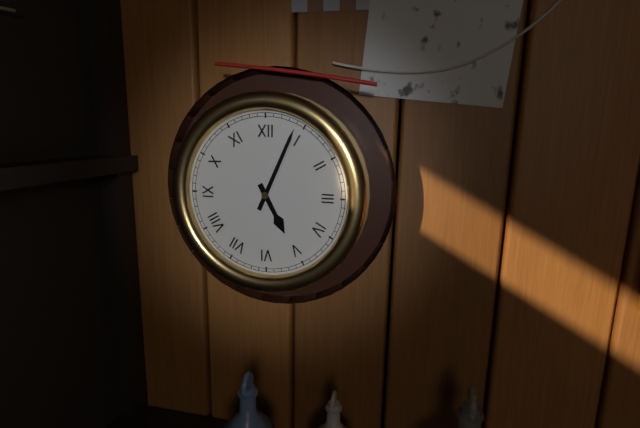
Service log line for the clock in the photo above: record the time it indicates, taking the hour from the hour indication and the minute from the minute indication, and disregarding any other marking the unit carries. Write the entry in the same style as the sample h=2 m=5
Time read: h=5 m=4
